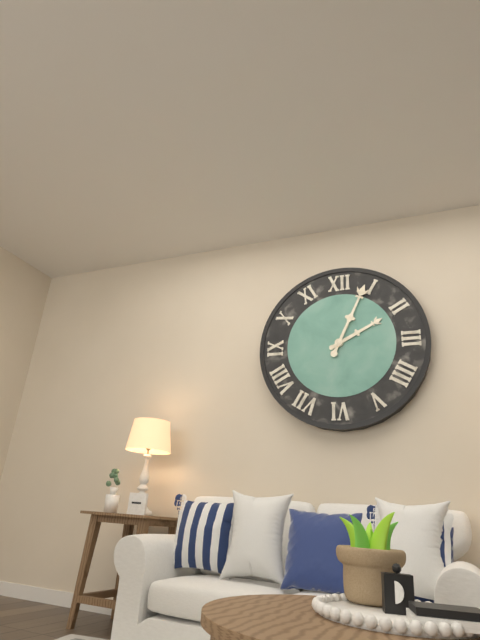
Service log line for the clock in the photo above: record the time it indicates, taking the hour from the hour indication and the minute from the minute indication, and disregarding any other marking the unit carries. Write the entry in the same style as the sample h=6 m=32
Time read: h=2 m=4
